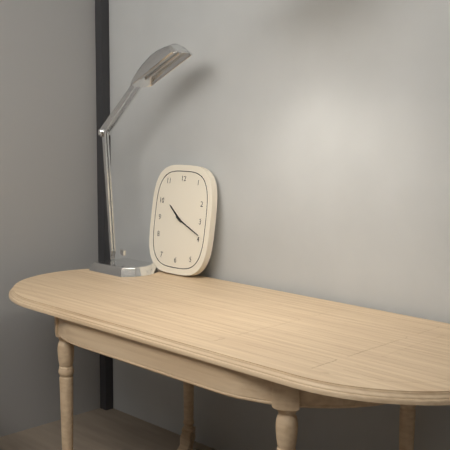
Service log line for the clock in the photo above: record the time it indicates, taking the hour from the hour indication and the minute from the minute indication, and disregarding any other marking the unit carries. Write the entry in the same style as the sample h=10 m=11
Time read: h=10 m=19
